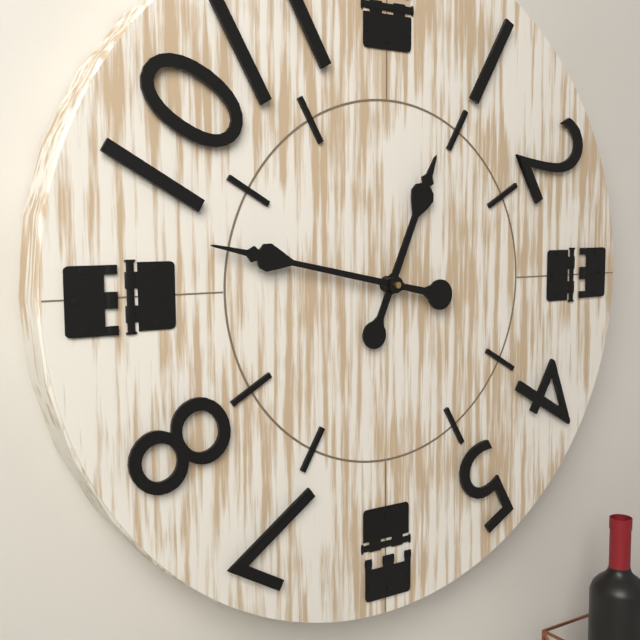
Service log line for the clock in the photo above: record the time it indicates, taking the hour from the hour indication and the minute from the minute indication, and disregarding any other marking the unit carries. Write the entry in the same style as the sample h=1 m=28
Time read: h=12 m=47
